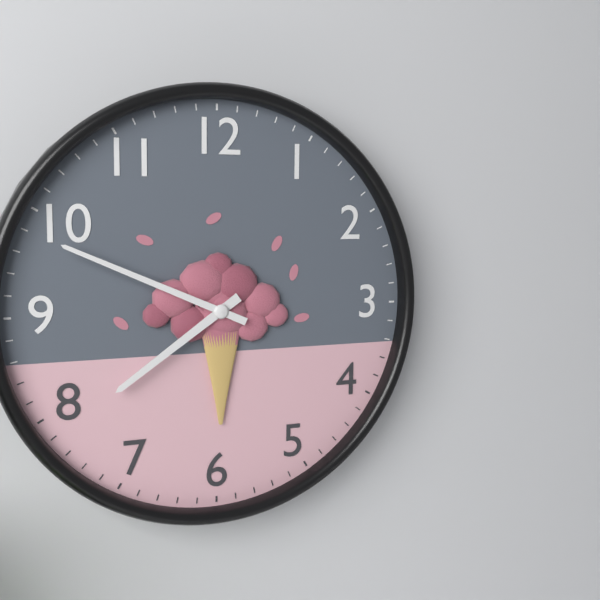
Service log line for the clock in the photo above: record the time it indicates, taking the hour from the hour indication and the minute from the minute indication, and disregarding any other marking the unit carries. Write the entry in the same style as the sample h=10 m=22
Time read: h=7 m=49
